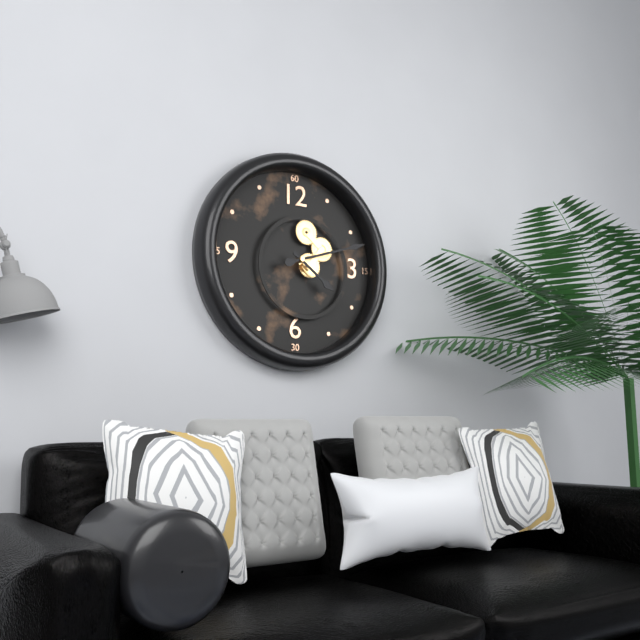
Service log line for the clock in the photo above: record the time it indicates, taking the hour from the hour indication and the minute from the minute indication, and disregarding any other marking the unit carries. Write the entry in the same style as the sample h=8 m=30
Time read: h=4 m=12
